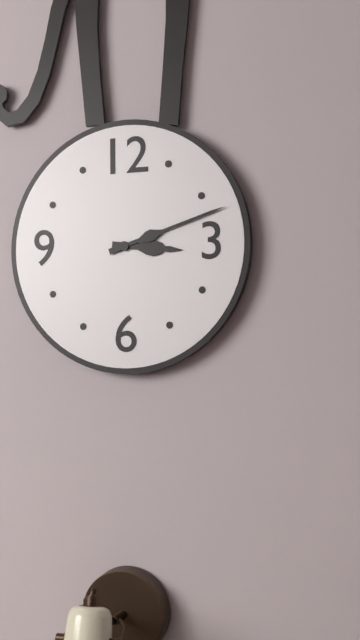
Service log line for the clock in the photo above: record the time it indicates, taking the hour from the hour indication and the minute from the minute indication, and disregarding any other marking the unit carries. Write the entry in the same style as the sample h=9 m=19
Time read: h=3 m=12
